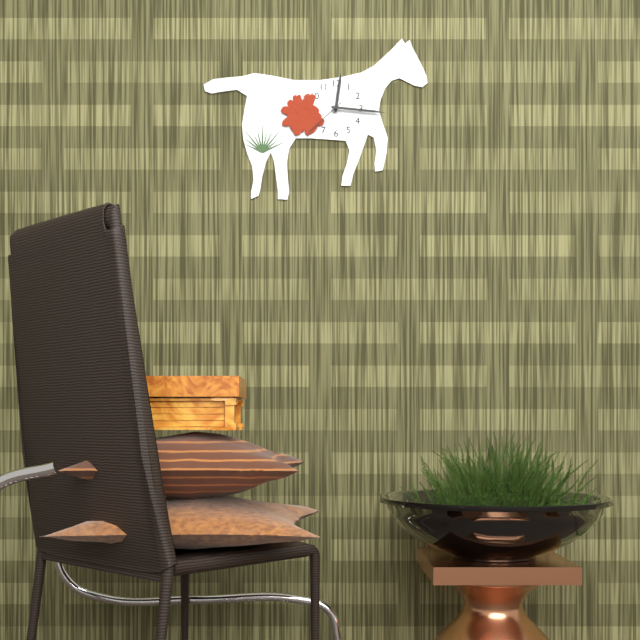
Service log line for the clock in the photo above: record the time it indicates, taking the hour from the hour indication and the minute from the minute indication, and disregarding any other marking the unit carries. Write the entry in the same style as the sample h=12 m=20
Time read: h=12 m=16
